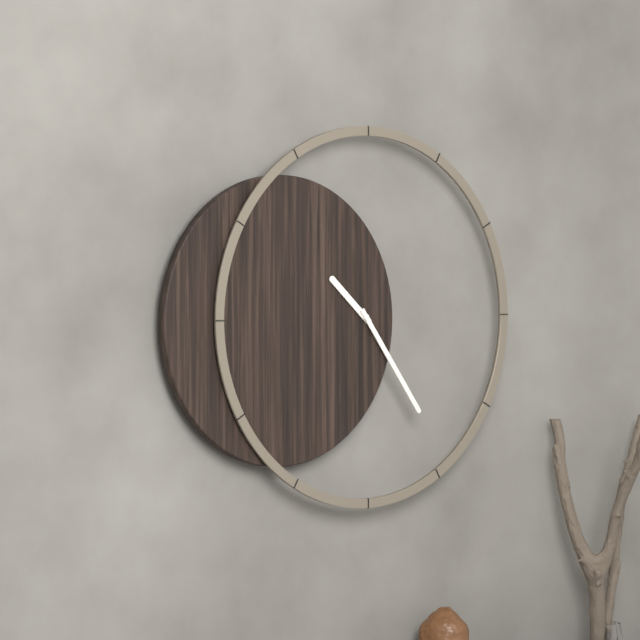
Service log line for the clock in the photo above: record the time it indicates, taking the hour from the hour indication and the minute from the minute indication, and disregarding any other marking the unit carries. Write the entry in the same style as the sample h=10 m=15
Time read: h=10 m=24
